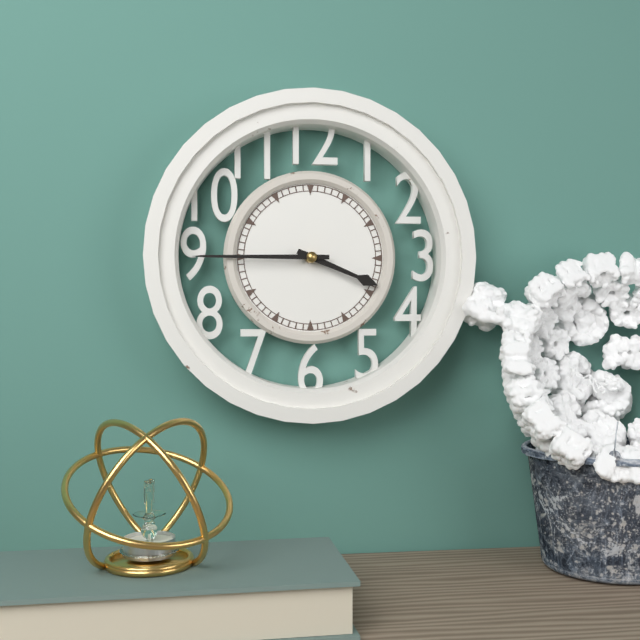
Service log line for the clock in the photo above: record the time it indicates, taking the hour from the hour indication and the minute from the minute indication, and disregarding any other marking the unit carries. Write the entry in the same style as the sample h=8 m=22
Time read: h=3 m=45
